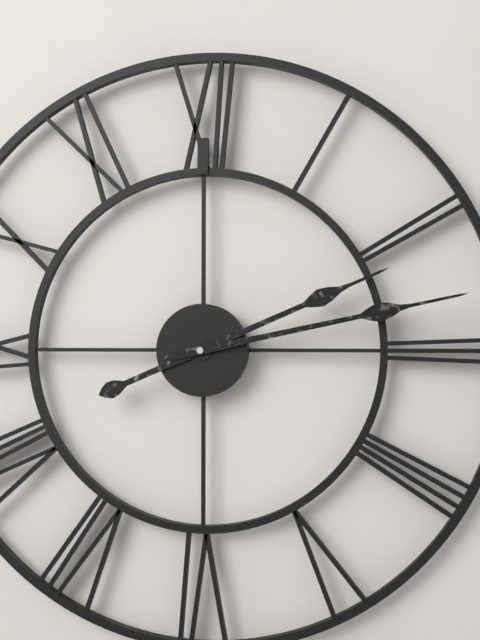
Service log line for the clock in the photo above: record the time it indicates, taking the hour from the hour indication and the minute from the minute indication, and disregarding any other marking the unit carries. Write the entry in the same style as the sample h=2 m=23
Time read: h=2 m=13
